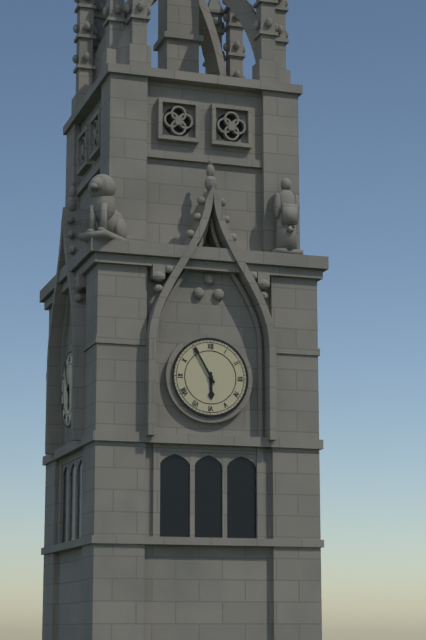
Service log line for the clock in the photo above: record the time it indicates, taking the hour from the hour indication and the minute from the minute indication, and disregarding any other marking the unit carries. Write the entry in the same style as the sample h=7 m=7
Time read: h=5 m=55
